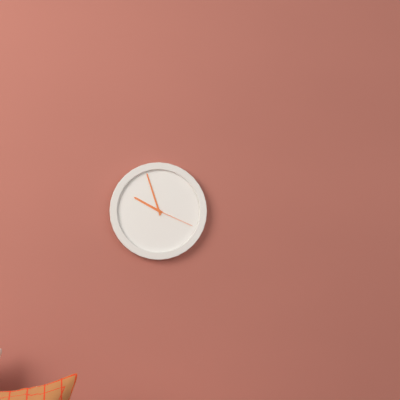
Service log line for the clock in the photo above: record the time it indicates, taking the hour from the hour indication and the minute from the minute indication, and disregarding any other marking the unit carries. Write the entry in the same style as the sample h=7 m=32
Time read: h=9 m=57
